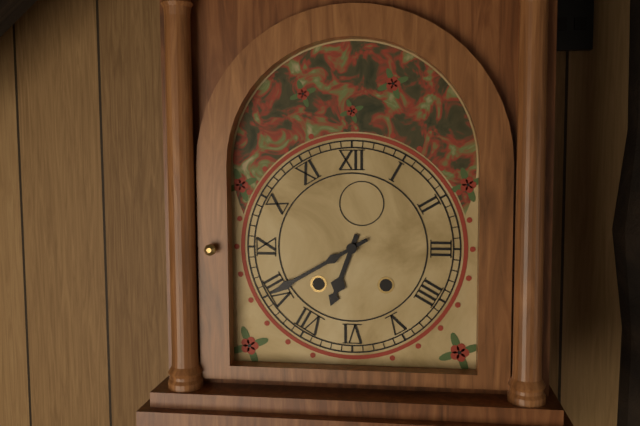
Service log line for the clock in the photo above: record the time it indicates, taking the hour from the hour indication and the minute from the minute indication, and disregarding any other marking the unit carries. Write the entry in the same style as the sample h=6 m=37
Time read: h=6 m=40
